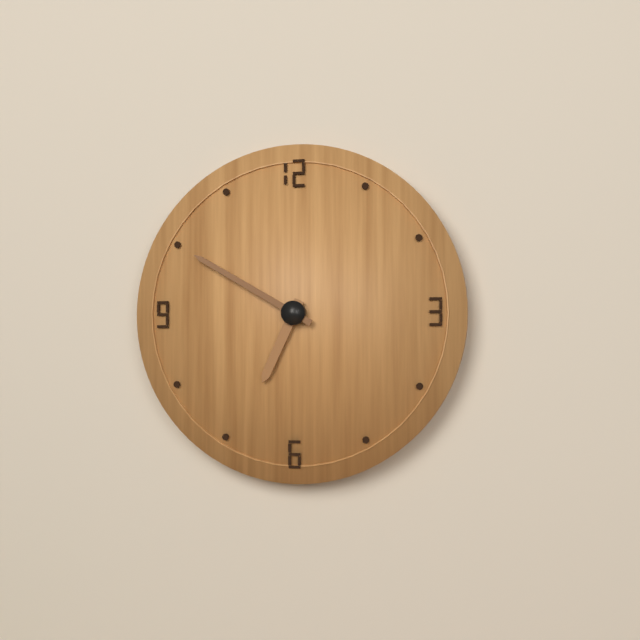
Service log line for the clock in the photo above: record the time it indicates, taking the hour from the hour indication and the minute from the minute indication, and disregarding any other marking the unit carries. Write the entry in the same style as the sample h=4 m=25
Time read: h=6 m=50
